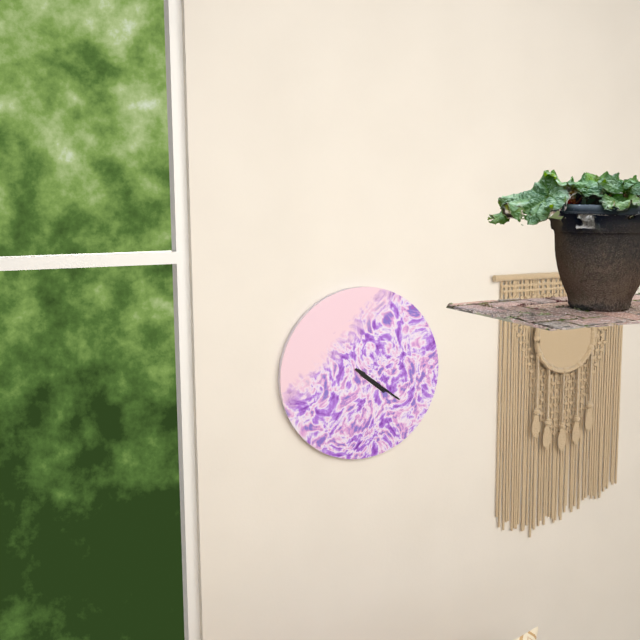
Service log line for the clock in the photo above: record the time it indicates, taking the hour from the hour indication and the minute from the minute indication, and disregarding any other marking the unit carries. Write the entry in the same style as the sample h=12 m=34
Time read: h=4 m=21
